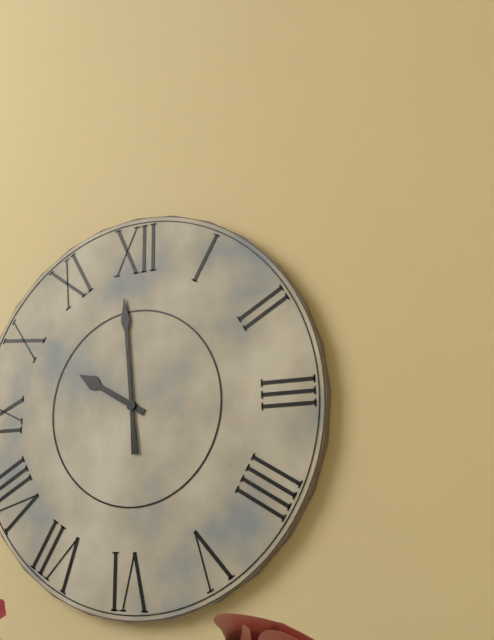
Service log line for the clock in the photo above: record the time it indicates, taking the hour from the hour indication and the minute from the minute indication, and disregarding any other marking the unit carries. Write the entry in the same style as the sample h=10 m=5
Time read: h=9 m=59
